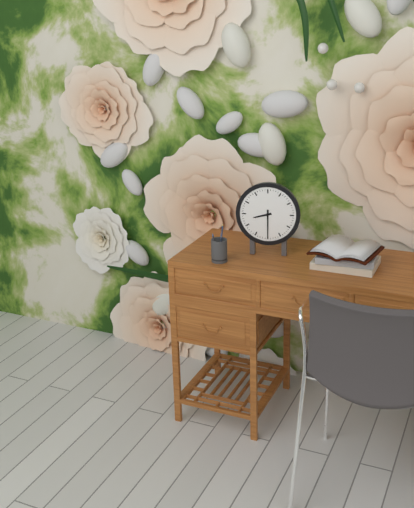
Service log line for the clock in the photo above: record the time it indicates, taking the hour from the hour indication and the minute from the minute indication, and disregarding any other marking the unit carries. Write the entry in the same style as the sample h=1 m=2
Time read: h=8 m=30
